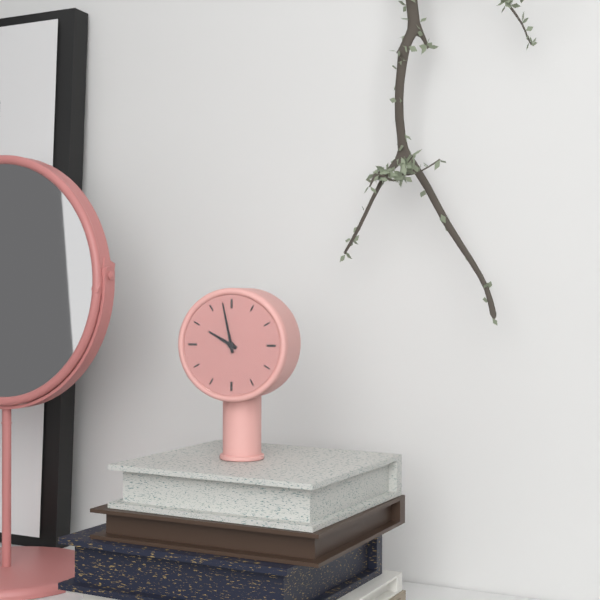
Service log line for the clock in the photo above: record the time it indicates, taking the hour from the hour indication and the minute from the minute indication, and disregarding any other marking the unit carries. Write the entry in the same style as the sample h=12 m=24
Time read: h=9 m=58
